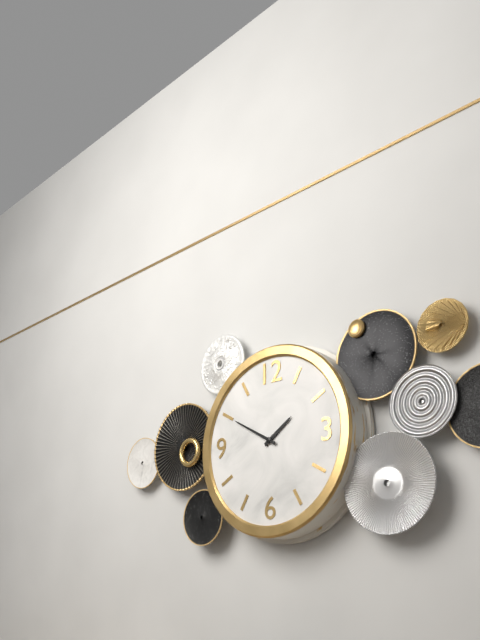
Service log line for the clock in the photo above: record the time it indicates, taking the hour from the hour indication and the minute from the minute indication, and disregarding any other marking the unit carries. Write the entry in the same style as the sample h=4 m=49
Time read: h=1 m=50
